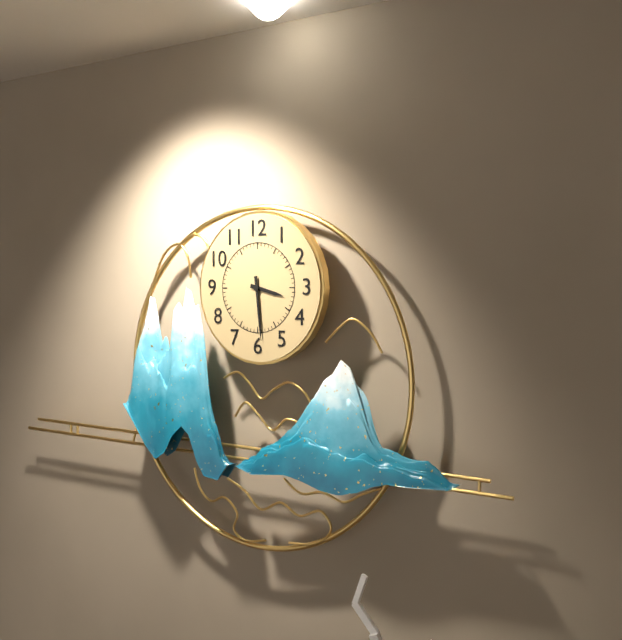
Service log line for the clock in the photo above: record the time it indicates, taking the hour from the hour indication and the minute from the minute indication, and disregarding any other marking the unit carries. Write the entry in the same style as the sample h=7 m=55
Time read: h=3 m=29
